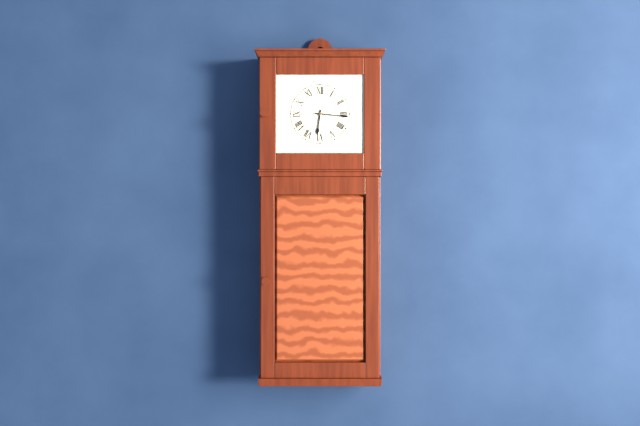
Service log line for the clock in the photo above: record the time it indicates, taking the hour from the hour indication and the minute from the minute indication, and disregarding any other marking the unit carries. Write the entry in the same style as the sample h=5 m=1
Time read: h=6 m=16
